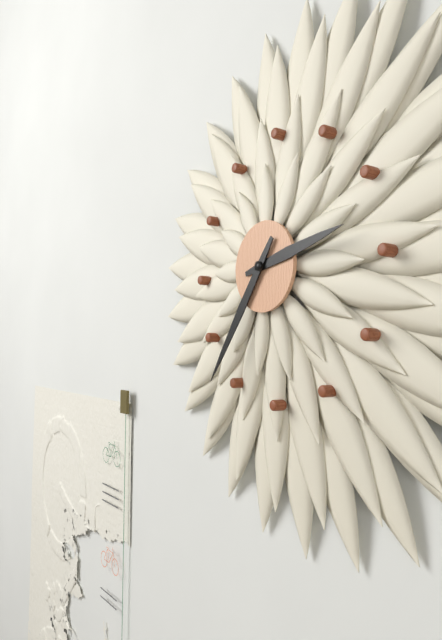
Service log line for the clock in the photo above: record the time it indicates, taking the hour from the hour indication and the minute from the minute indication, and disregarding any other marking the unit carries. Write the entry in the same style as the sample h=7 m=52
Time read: h=2 m=36
